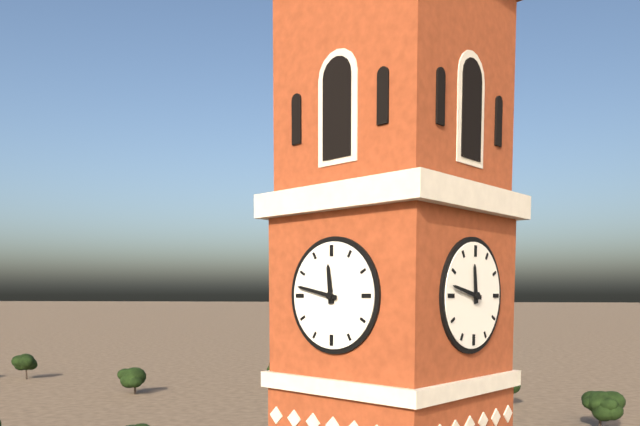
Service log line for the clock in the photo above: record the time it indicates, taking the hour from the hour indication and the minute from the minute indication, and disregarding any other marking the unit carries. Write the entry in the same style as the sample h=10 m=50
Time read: h=11 m=47
